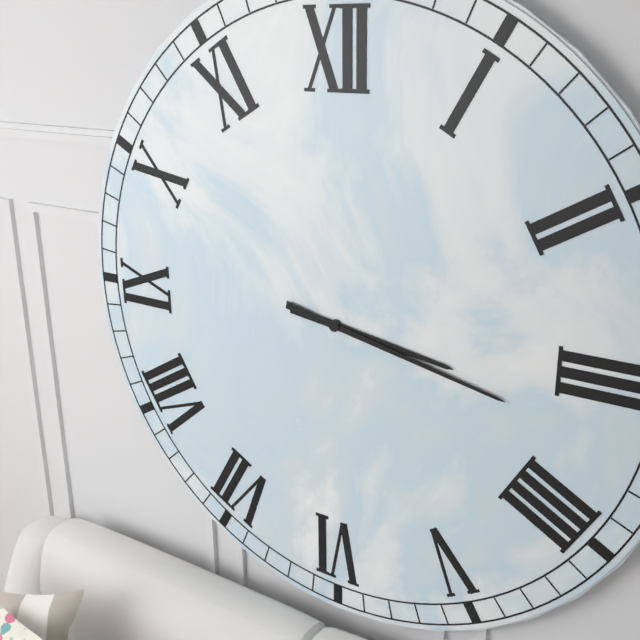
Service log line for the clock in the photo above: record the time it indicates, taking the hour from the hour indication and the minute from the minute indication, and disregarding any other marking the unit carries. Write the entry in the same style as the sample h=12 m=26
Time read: h=3 m=17
